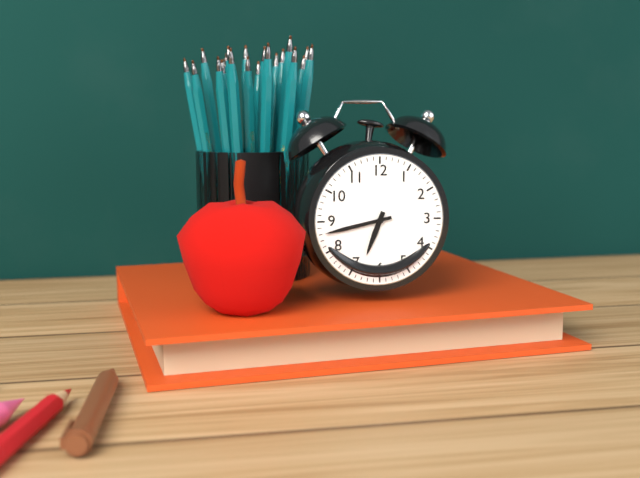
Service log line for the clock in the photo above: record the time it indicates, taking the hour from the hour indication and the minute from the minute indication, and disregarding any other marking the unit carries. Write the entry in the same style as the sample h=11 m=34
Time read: h=6 m=43
